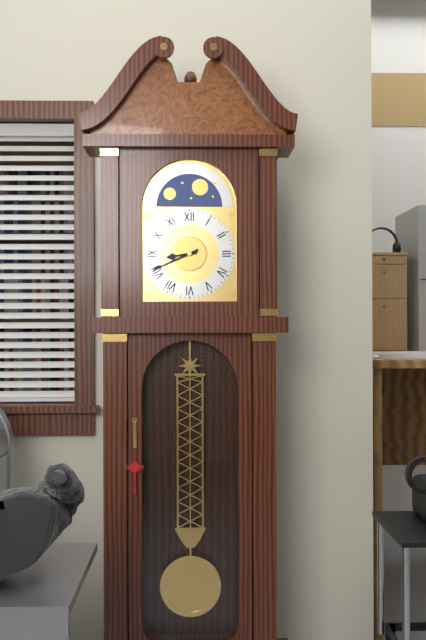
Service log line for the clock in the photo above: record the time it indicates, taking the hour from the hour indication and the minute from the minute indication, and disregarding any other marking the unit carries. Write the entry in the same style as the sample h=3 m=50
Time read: h=8 m=41
